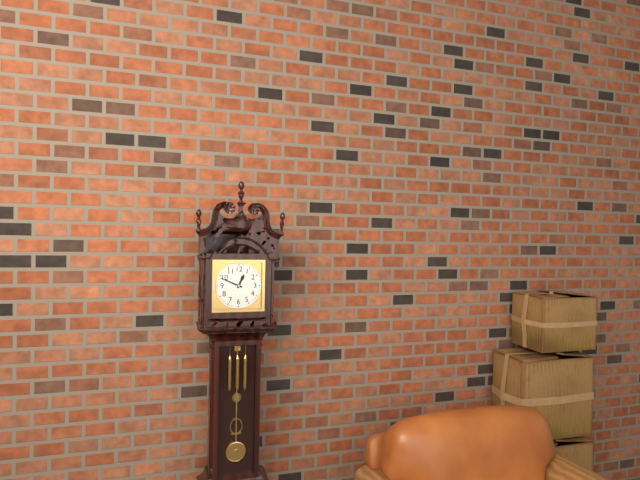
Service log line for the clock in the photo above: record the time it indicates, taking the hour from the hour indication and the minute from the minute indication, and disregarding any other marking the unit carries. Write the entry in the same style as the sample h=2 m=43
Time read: h=12 m=49
